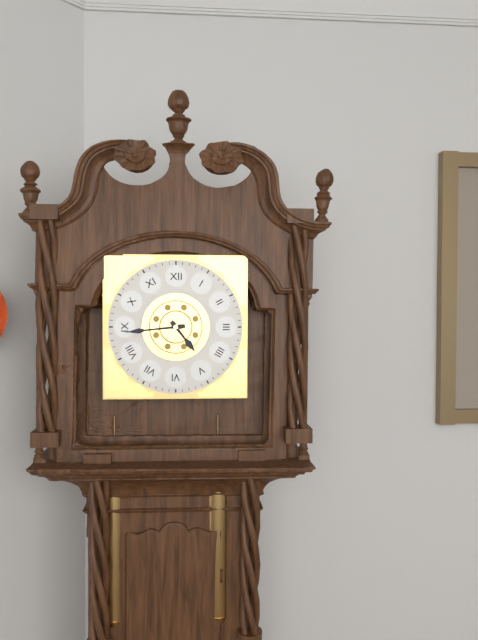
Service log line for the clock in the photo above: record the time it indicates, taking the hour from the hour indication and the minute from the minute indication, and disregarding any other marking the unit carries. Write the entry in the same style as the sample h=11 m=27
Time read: h=4 m=44
